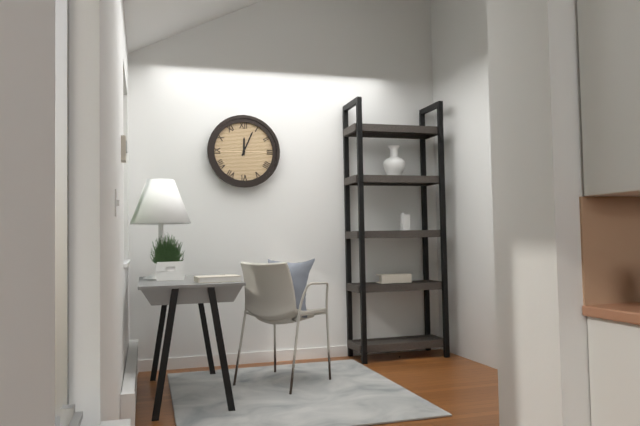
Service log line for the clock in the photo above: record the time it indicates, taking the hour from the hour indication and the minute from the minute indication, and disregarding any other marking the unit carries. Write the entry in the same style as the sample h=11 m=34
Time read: h=12 m=4
